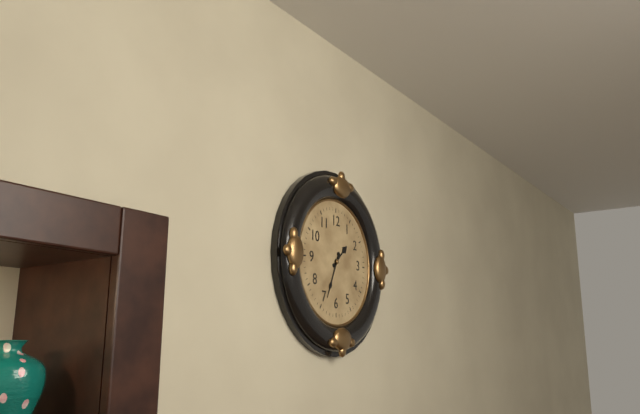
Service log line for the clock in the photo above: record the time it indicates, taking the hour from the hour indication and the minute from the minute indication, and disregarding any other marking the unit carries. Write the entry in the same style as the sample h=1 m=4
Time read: h=1 m=34
